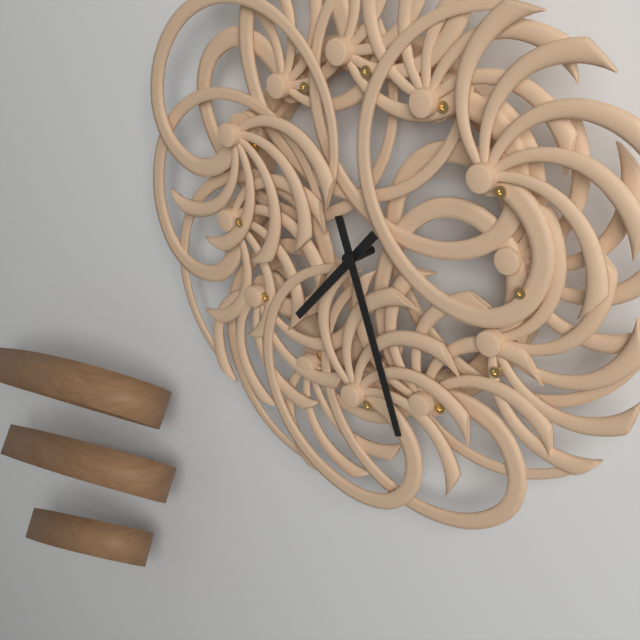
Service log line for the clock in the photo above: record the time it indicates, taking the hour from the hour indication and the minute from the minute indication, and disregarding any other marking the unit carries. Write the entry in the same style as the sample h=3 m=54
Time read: h=7 m=27
